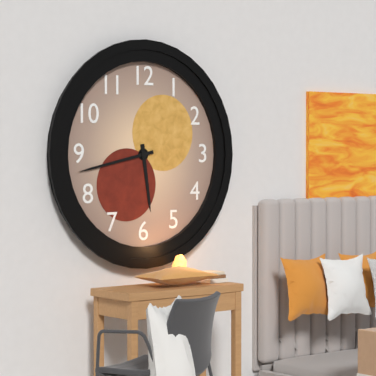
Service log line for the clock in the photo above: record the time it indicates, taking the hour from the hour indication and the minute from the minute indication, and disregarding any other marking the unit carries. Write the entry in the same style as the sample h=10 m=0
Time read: h=5 m=43
